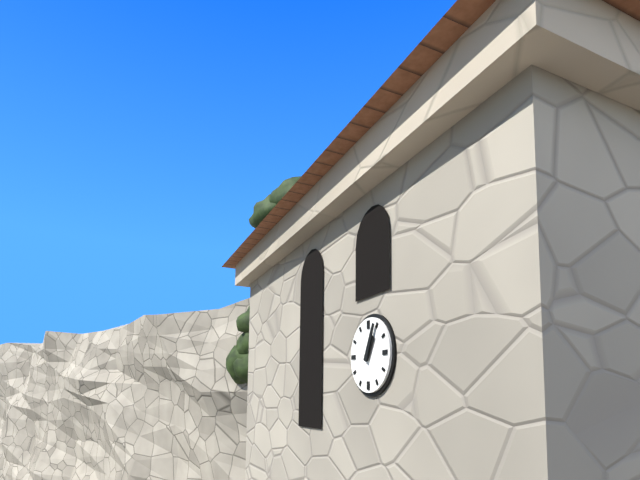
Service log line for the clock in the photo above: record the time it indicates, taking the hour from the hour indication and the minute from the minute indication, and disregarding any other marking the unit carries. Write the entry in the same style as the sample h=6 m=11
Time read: h=1 m=4
